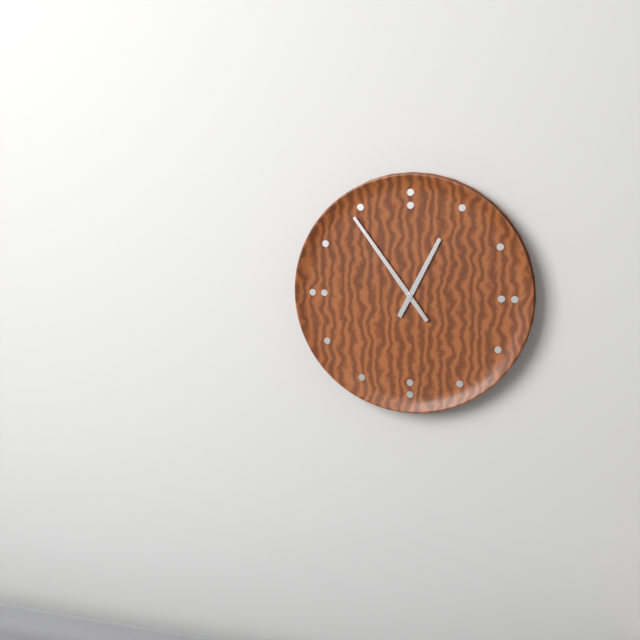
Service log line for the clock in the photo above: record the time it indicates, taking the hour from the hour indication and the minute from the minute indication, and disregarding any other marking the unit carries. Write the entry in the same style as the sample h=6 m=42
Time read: h=12 m=54
